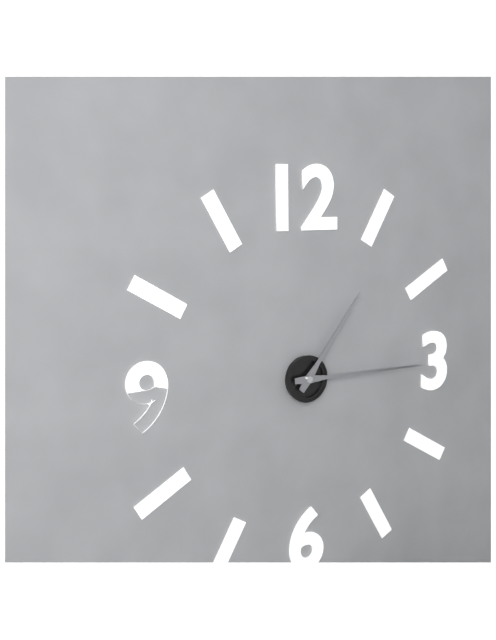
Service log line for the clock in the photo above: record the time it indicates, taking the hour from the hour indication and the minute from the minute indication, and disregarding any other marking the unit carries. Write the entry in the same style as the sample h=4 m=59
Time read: h=1 m=15
